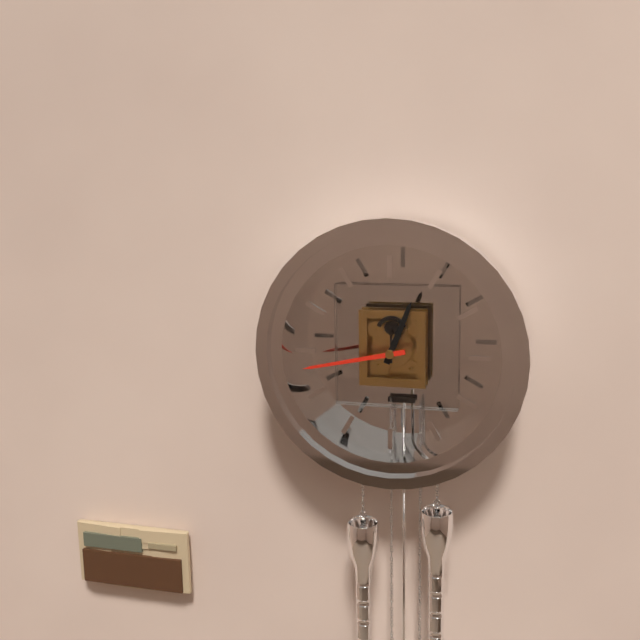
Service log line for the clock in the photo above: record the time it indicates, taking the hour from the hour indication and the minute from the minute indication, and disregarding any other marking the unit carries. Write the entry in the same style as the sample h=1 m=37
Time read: h=12 m=43
